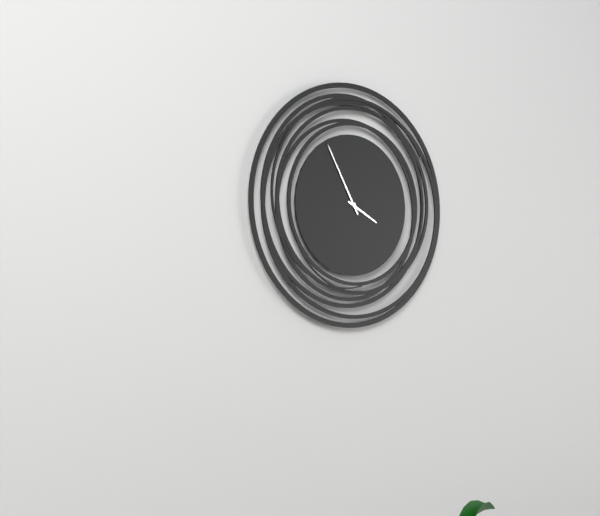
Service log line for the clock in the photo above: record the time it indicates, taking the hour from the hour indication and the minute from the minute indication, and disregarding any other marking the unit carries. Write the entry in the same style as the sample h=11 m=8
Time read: h=3 m=55
